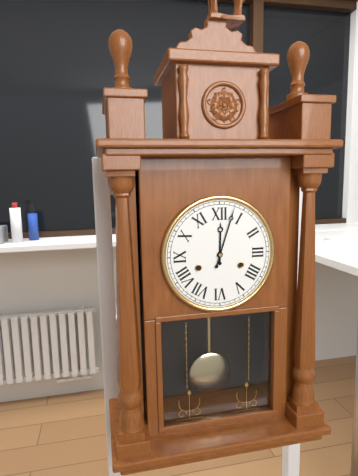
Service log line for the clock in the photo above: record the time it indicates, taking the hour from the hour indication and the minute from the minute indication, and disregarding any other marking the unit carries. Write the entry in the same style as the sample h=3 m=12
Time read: h=12 m=3
